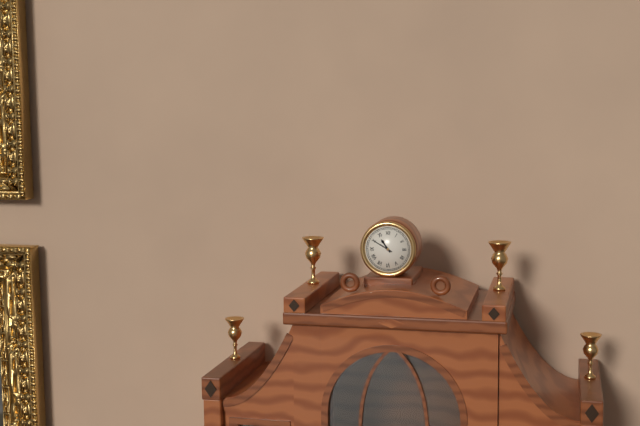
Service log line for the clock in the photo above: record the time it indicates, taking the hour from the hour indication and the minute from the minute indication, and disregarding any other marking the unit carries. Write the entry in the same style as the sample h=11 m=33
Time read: h=10 m=50
